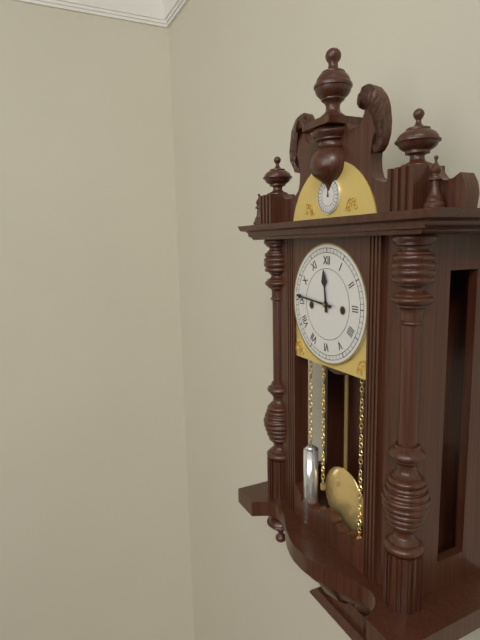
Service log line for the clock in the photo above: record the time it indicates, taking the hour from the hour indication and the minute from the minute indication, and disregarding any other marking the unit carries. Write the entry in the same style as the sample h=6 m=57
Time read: h=11 m=46
